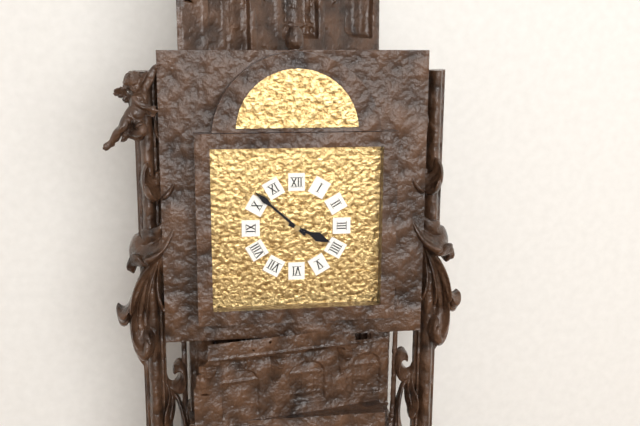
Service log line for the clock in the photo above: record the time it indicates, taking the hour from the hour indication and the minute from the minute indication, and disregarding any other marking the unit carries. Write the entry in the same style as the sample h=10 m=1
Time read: h=3 m=52
